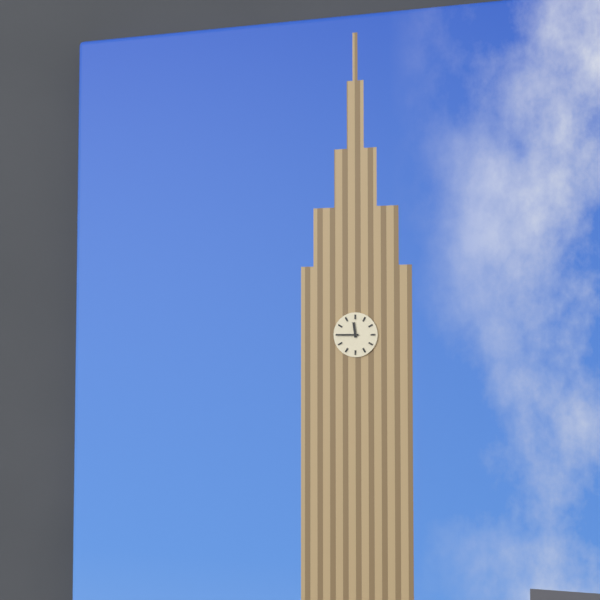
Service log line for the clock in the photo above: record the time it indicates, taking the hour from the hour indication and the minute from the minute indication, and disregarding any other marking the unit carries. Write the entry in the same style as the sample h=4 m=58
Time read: h=11 m=45
